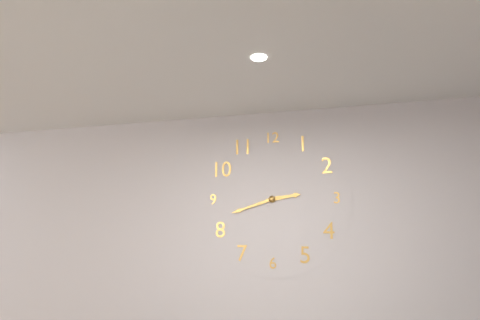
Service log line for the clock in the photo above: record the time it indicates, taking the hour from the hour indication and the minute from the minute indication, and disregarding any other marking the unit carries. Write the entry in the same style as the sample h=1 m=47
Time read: h=2 m=42
